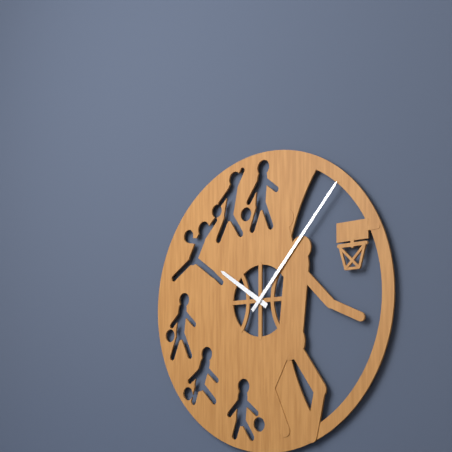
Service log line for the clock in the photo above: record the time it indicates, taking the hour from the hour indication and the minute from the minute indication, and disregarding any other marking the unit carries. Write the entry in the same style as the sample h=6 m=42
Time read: h=10 m=7
